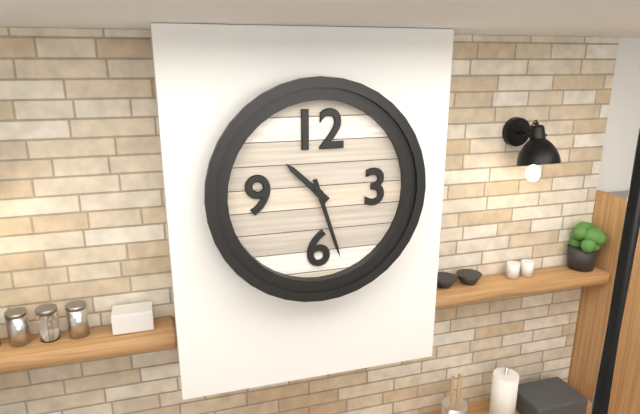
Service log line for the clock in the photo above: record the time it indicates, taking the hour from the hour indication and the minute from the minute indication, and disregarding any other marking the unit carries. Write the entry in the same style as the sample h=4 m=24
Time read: h=10 m=27
